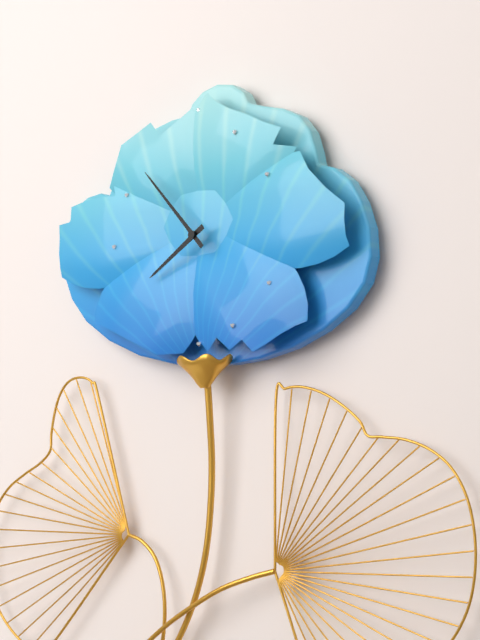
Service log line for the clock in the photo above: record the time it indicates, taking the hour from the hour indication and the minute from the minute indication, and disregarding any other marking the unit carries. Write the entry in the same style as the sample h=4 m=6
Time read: h=7 m=53
